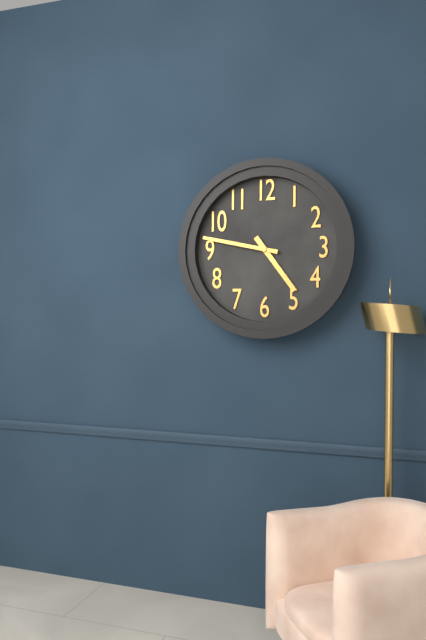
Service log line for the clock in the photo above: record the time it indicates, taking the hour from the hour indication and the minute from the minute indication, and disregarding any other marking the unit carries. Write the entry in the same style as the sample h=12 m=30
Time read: h=4 m=47
